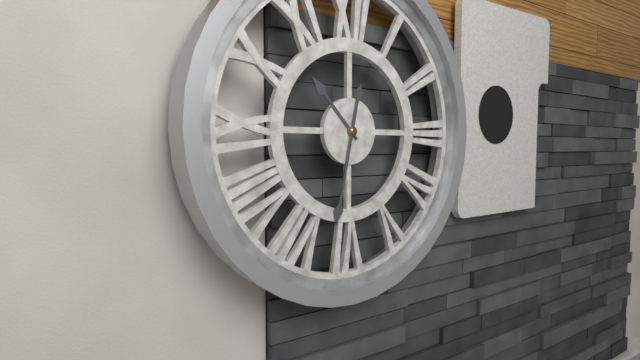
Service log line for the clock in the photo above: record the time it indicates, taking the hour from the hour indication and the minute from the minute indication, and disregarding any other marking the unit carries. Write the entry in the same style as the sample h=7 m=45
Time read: h=10 m=32
